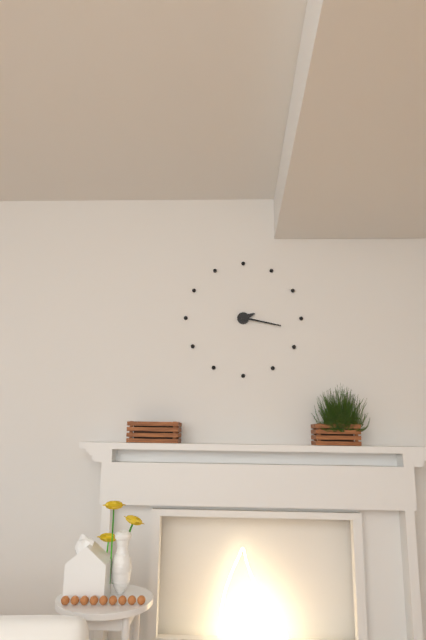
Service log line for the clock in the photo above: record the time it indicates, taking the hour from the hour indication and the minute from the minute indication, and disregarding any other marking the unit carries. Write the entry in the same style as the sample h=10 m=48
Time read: h=2 m=17
